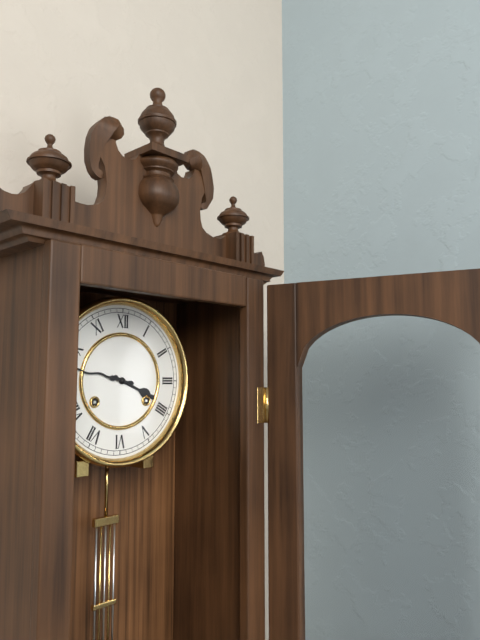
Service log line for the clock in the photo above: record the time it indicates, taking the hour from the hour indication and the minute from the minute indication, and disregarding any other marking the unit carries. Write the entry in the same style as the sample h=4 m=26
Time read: h=3 m=47
